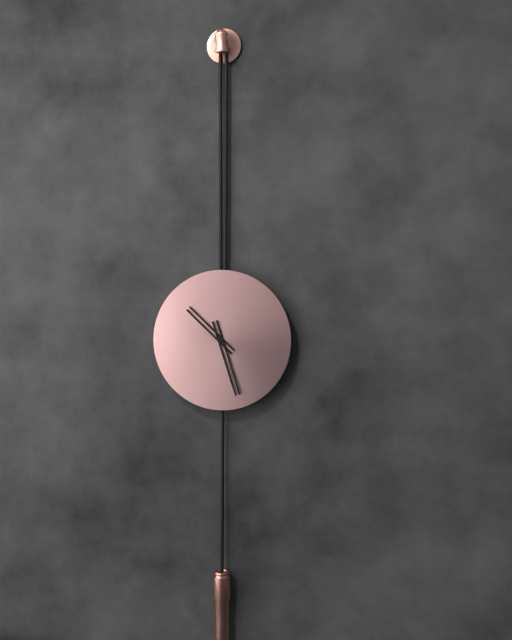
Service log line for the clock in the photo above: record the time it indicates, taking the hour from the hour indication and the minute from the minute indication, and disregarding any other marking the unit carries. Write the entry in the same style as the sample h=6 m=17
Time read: h=10 m=27
